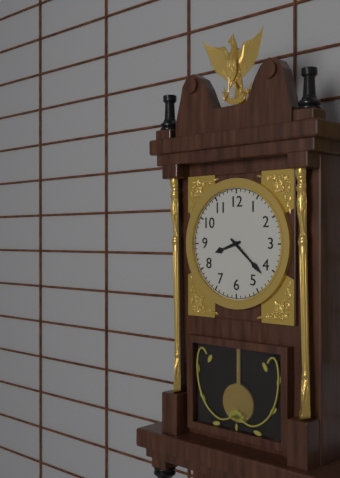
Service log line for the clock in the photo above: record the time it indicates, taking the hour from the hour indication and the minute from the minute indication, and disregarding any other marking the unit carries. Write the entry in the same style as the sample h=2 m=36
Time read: h=8 m=22
